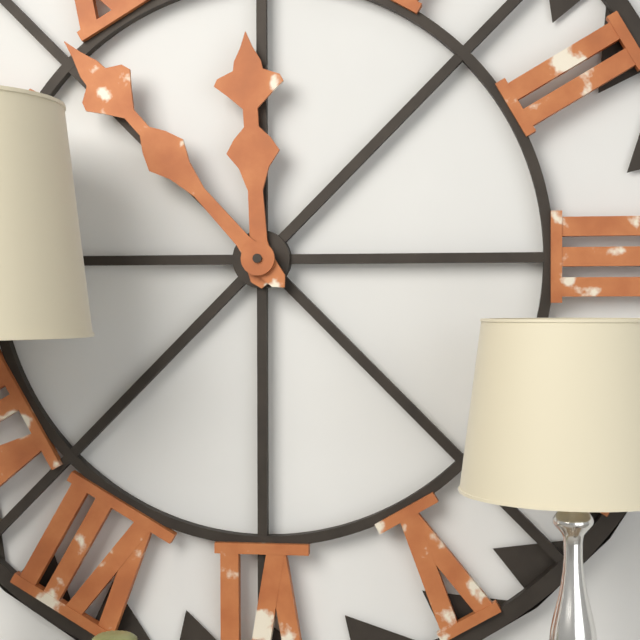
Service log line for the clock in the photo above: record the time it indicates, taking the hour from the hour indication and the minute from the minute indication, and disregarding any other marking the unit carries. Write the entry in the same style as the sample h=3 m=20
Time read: h=11 m=53
